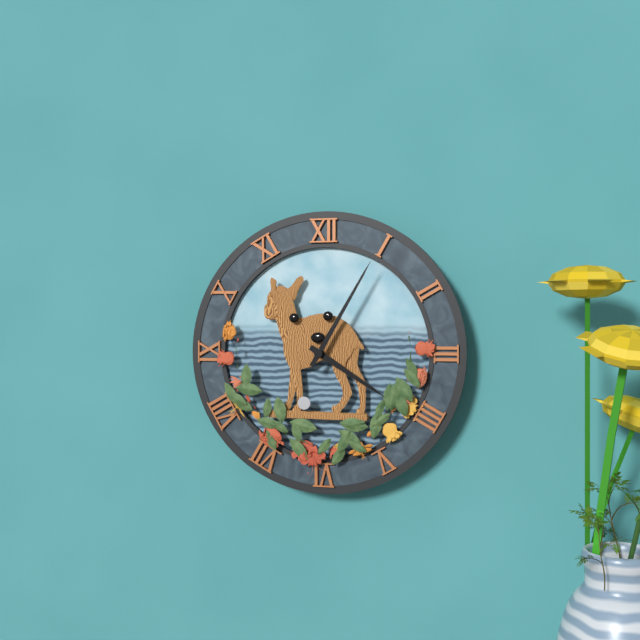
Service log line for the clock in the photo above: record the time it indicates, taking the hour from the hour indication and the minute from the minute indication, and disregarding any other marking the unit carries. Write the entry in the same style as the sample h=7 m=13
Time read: h=4 m=5
